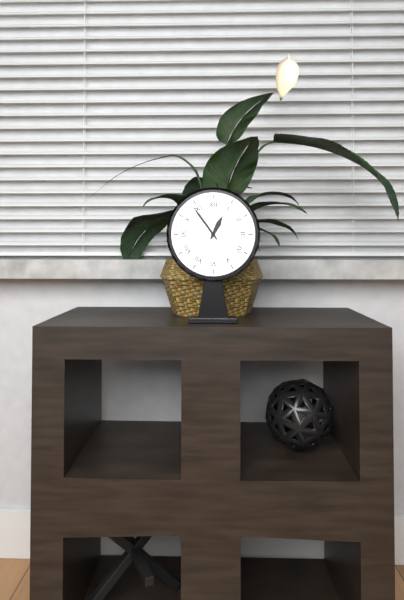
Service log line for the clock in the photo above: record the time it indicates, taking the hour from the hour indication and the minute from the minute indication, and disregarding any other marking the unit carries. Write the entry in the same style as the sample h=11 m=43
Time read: h=12 m=54
